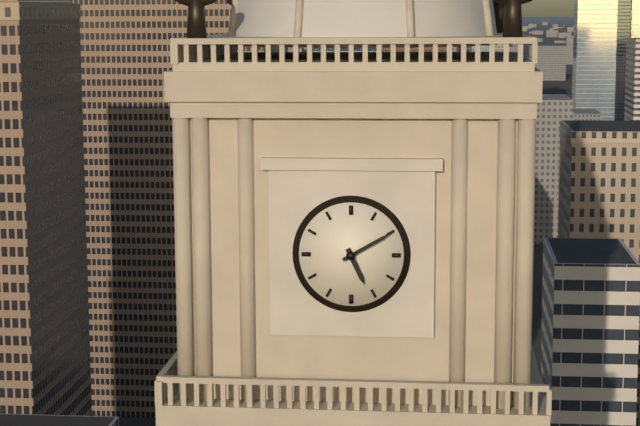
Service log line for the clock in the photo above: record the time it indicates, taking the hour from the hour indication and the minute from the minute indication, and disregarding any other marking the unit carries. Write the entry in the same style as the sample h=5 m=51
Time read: h=5 m=10
